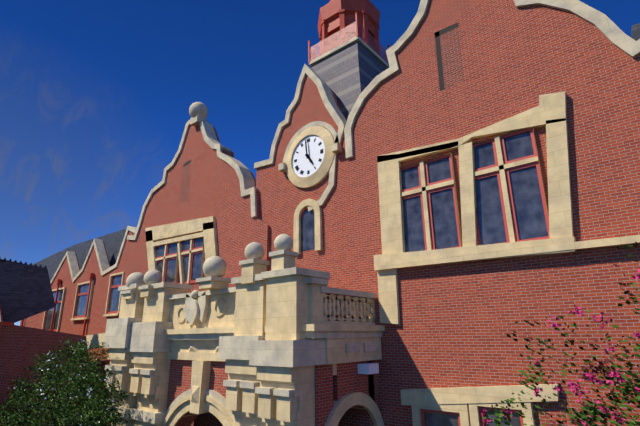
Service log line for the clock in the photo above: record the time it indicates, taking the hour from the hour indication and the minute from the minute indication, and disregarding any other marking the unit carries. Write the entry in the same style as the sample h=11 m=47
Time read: h=4 m=59
